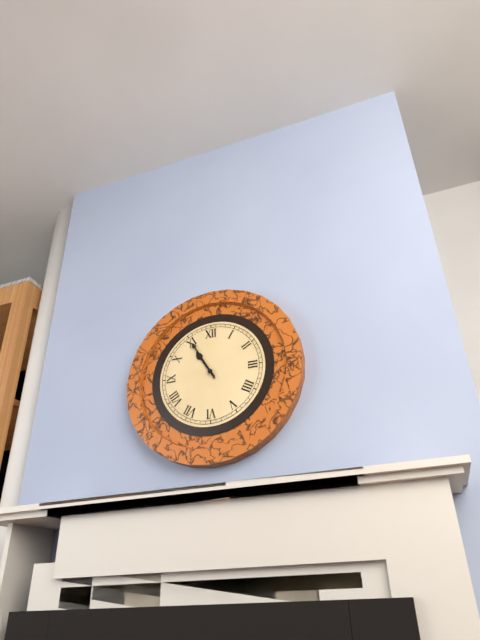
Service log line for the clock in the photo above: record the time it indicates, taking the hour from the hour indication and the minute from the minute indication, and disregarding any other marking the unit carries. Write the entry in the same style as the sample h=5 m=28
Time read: h=10 m=55
